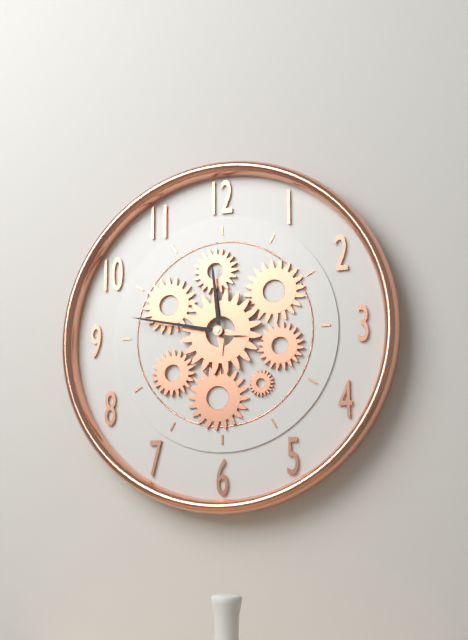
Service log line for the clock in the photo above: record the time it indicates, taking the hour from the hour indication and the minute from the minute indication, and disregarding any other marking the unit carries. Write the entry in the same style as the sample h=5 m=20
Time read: h=11 m=47
